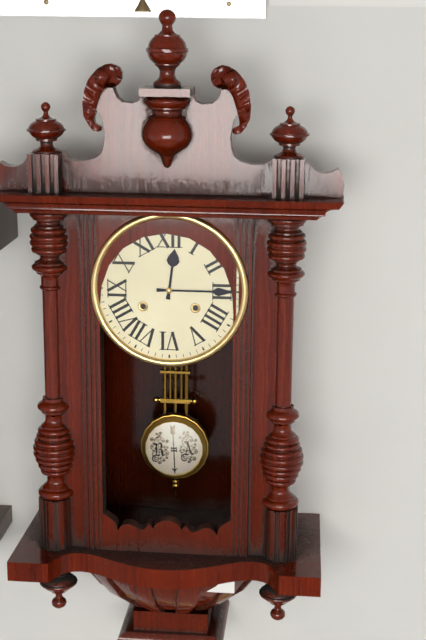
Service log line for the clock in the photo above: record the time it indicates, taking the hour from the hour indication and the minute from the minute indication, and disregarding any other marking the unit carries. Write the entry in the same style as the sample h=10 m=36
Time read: h=12 m=15
